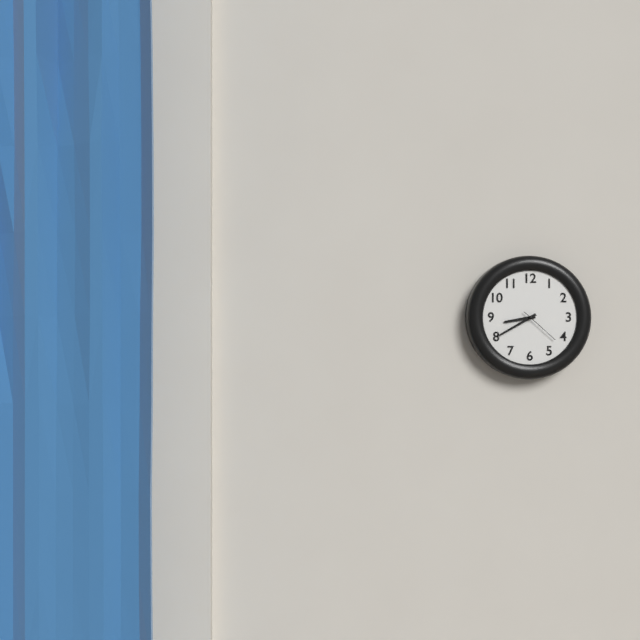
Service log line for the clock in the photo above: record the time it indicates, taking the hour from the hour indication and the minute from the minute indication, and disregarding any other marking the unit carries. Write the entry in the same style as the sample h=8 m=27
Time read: h=8 m=40
